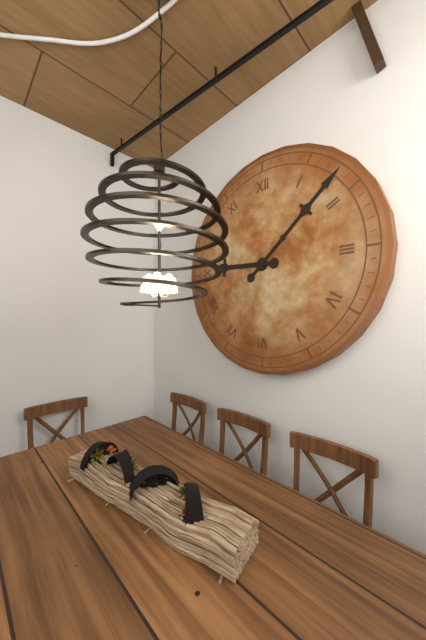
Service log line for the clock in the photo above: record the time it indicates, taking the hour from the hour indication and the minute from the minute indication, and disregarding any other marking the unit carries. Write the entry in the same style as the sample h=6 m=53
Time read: h=9 m=8
